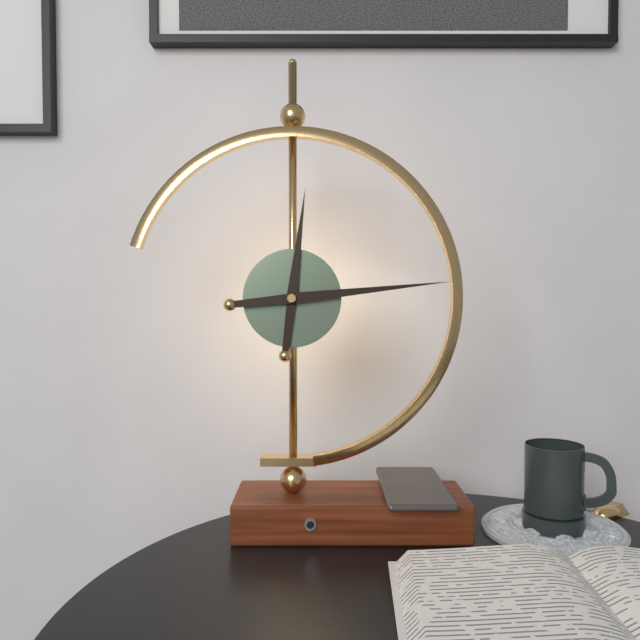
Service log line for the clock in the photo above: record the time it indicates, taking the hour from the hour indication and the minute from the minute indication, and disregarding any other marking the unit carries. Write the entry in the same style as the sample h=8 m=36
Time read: h=12 m=14
